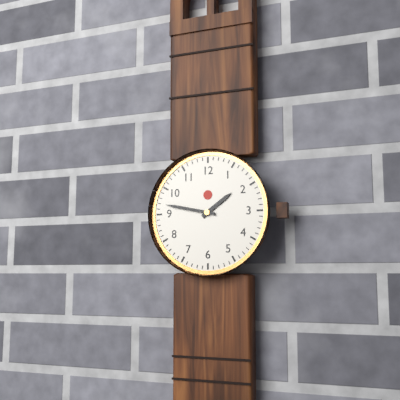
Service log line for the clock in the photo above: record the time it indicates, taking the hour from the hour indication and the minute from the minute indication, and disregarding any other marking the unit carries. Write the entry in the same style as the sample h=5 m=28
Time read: h=1 m=47
